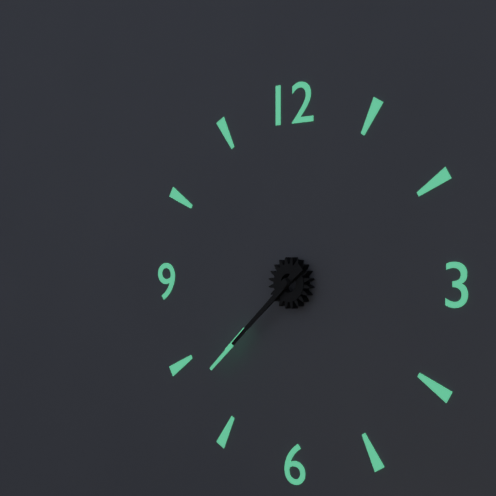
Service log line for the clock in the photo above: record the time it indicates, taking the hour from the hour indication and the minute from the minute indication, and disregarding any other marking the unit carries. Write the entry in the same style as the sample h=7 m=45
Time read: h=7 m=38
